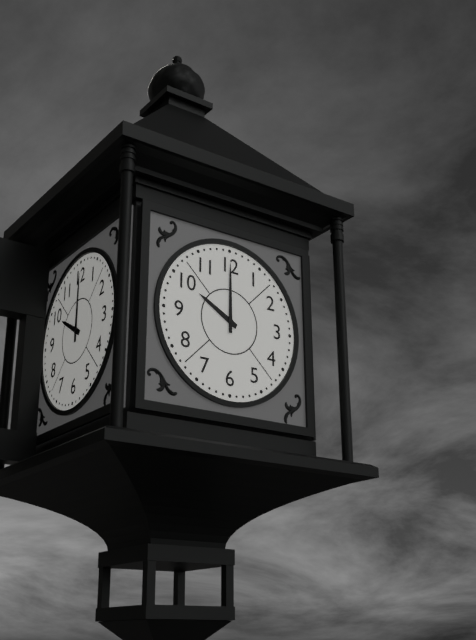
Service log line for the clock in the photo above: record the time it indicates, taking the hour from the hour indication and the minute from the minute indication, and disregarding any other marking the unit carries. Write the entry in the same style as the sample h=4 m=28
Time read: h=10 m=0
